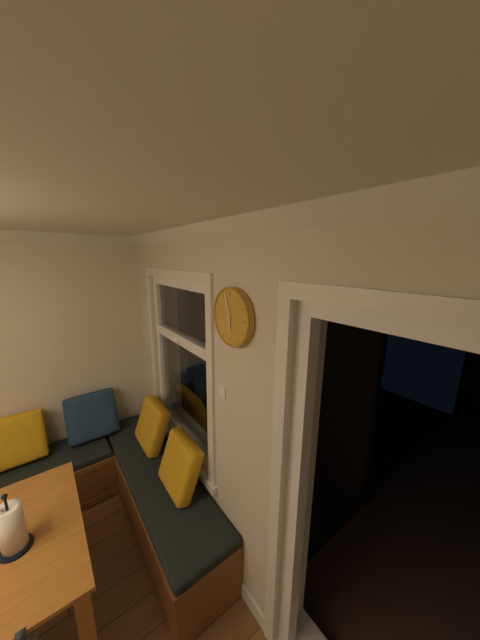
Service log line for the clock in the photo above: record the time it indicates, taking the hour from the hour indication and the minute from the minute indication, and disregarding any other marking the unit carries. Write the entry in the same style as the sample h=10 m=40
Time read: h=5 m=57
